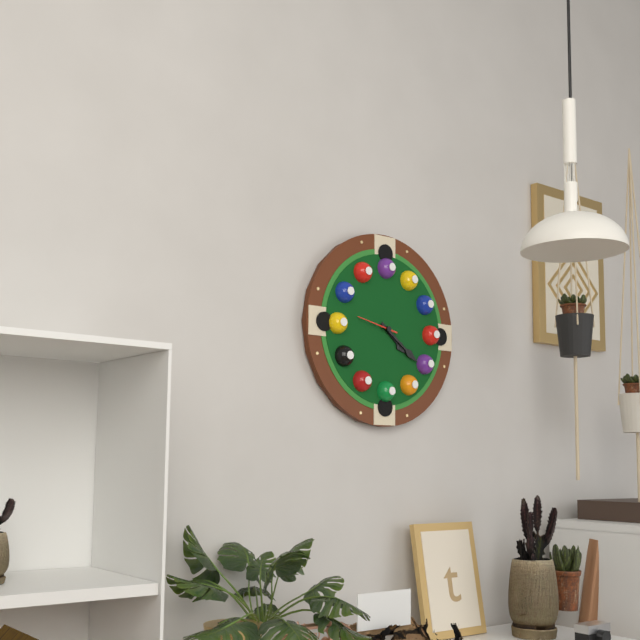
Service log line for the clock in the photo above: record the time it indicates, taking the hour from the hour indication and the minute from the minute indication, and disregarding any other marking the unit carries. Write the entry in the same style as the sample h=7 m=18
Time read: h=4 m=21
